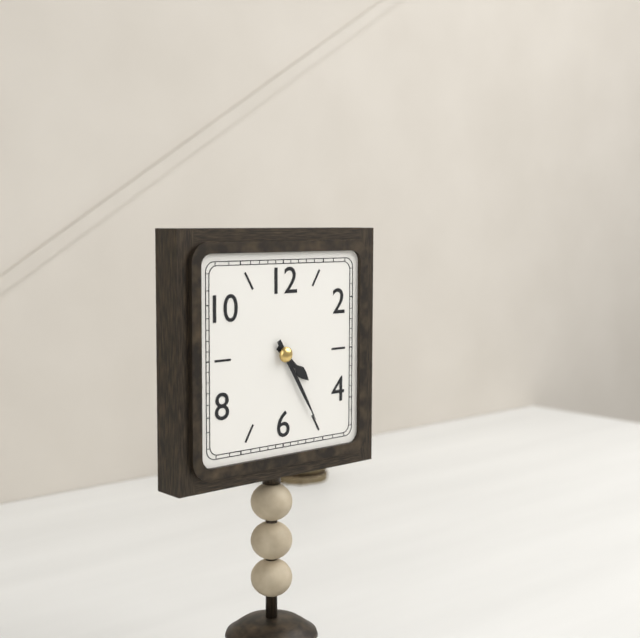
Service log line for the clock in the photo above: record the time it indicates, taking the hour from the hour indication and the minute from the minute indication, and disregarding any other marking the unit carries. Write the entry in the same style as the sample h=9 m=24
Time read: h=4 m=25
